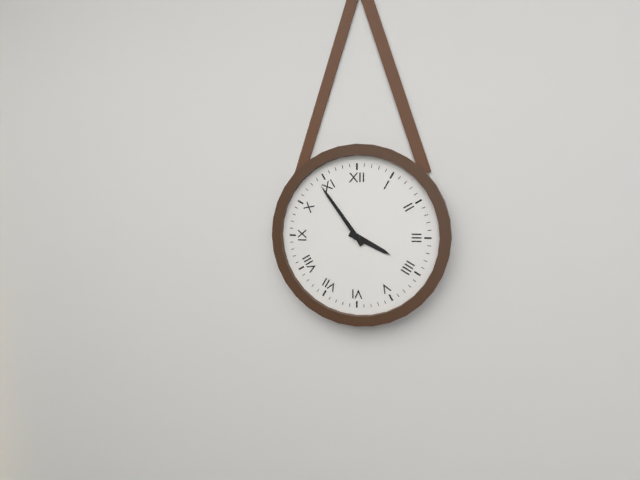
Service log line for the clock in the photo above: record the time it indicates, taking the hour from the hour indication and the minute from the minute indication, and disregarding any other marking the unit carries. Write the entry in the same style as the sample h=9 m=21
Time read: h=3 m=54
